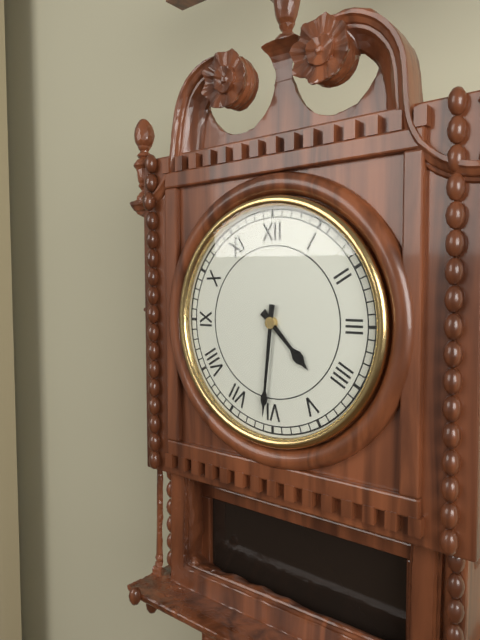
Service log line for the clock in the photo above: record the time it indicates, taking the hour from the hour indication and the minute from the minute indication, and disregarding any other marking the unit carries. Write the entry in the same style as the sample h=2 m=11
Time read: h=4 m=31
